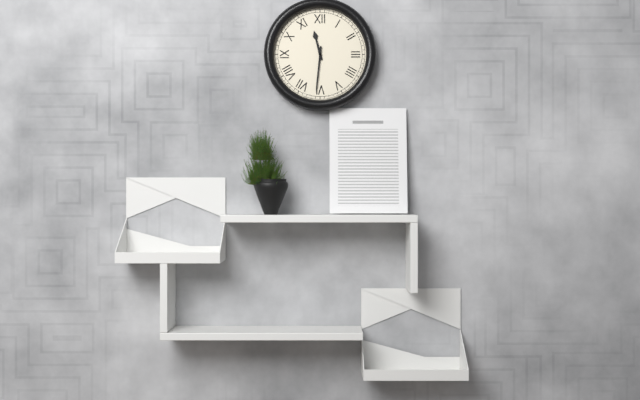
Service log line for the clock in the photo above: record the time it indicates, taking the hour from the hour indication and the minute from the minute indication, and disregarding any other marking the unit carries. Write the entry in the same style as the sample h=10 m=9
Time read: h=11 m=31
